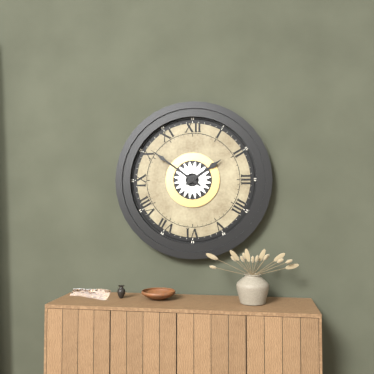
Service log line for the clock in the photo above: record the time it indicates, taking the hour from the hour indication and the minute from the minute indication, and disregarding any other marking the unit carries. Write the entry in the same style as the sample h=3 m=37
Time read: h=1 m=51
